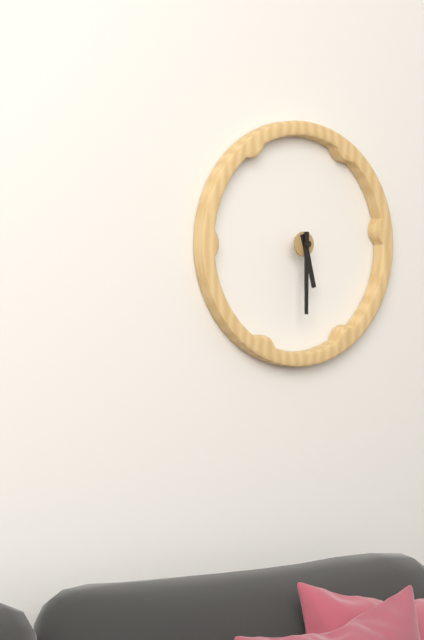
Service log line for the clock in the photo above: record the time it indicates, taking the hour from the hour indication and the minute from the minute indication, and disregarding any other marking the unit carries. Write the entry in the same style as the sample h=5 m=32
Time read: h=5 m=30
